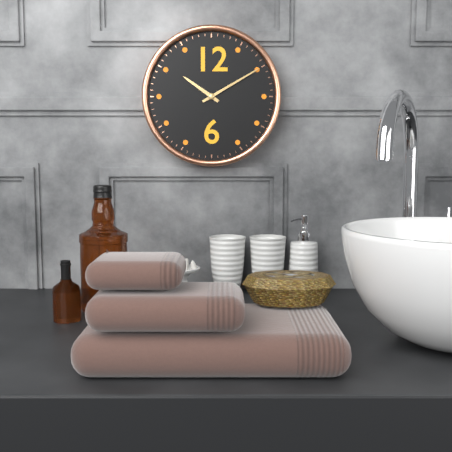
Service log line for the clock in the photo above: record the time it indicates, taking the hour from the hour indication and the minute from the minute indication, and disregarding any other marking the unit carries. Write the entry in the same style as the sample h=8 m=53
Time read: h=10 m=10
